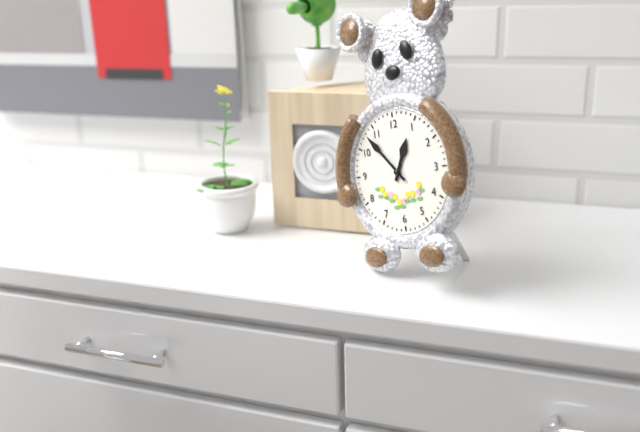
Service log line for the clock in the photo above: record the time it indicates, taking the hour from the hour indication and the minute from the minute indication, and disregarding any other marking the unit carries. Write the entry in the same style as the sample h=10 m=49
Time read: h=12 m=53
